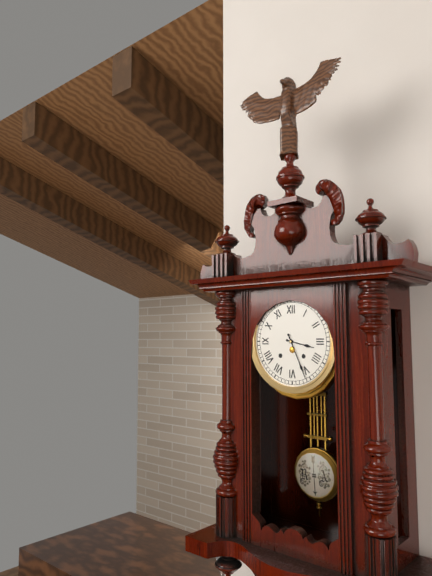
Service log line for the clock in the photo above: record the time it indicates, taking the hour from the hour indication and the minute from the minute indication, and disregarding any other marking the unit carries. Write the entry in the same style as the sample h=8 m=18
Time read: h=3 m=26
